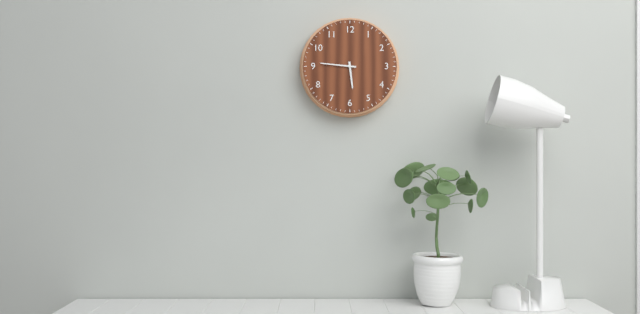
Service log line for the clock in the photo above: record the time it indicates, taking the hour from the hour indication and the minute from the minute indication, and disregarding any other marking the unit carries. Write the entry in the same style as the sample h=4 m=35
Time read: h=5 m=46
